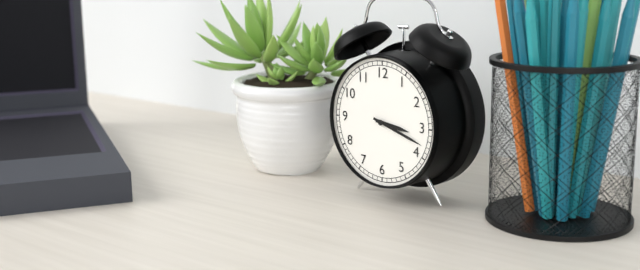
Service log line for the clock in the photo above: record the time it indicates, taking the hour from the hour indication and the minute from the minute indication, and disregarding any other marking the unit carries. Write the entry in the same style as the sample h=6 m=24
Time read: h=3 m=18
